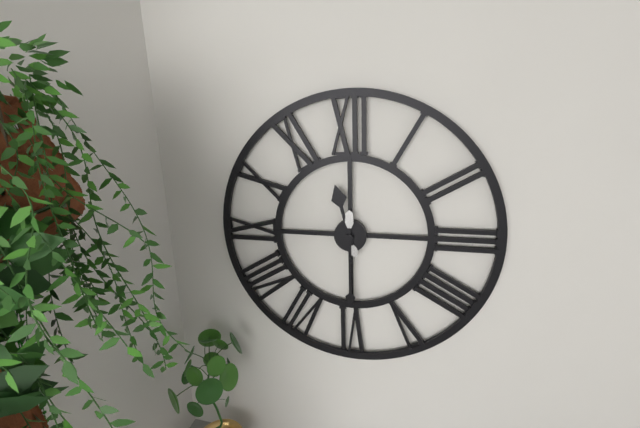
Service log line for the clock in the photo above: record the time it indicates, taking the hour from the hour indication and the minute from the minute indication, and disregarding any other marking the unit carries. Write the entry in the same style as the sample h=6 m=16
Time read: h=11 m=30
